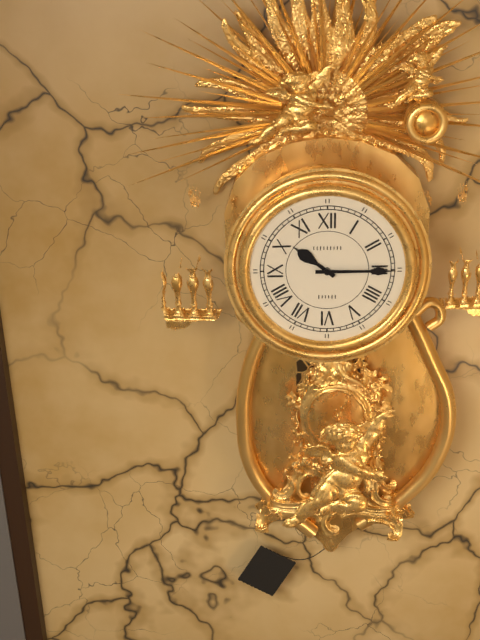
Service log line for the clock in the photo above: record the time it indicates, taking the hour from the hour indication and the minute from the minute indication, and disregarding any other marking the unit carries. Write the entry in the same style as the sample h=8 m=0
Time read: h=10 m=15
